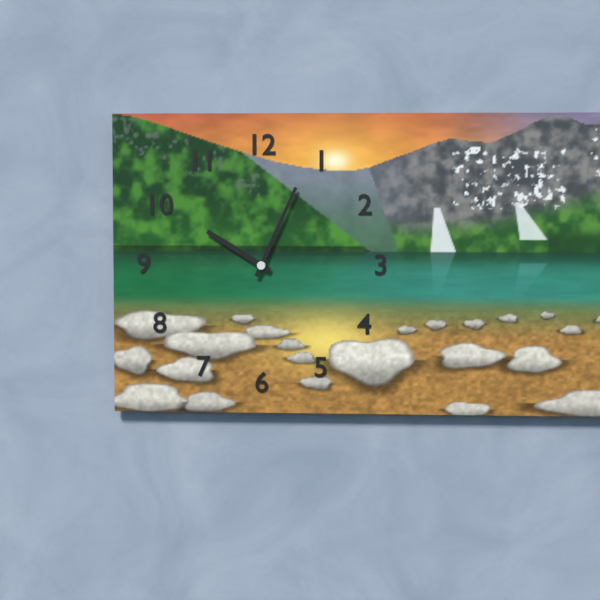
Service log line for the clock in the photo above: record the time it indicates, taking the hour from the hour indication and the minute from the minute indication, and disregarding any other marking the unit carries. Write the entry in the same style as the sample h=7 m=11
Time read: h=10 m=4
